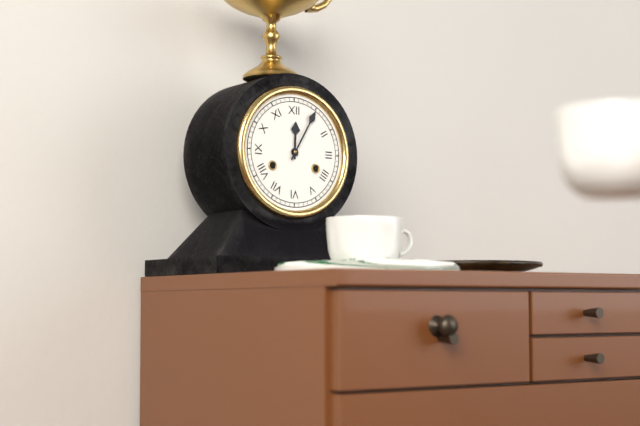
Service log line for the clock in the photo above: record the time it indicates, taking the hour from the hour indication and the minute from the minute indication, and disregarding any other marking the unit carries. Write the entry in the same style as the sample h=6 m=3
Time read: h=12 m=5
